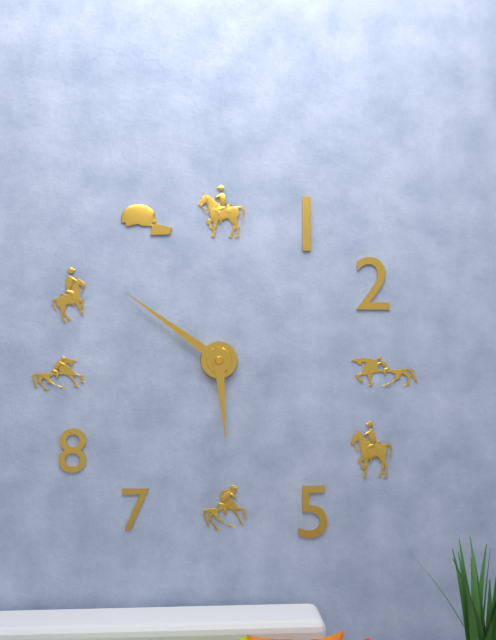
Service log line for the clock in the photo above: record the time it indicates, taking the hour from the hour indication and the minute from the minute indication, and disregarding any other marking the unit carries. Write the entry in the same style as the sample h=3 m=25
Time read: h=5 m=51
